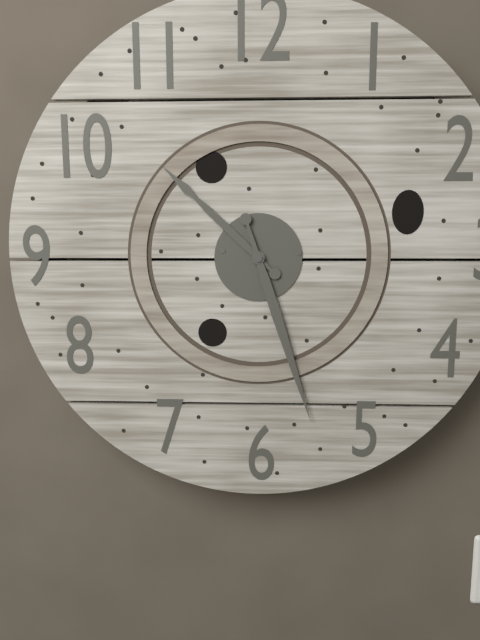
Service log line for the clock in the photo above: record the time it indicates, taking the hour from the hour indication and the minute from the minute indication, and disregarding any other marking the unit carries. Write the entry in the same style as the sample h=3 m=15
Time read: h=10 m=27
